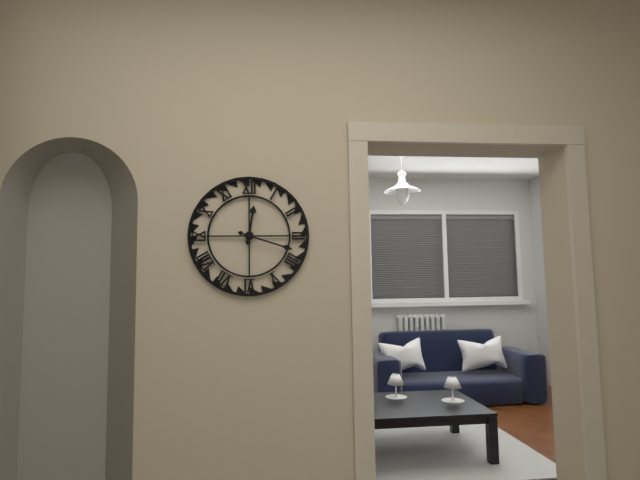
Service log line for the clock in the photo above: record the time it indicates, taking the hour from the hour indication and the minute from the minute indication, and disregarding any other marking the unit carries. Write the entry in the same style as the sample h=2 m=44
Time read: h=12 m=18
